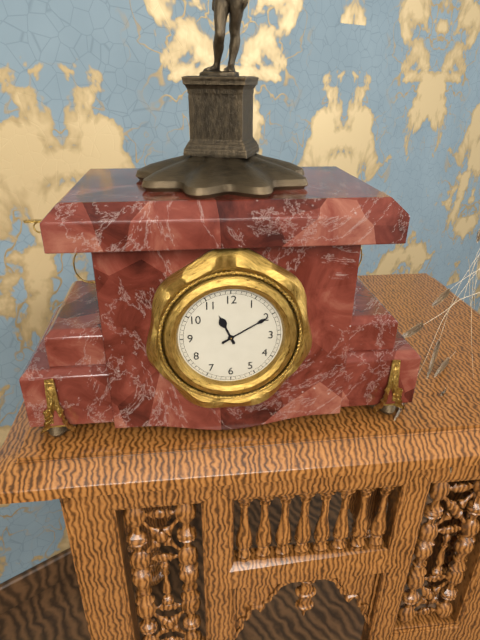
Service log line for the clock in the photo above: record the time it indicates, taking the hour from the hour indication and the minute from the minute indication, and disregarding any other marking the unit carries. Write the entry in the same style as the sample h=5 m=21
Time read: h=11 m=10
